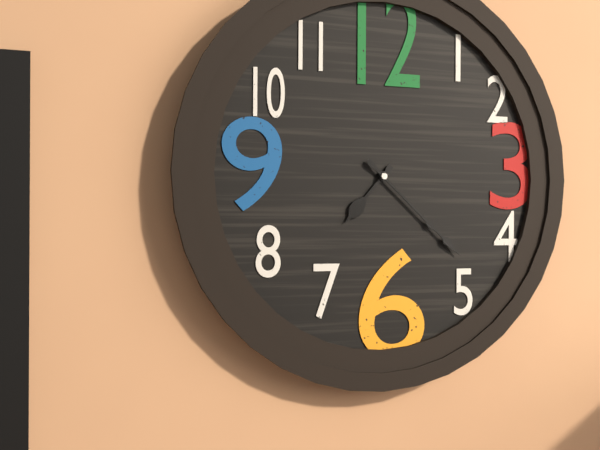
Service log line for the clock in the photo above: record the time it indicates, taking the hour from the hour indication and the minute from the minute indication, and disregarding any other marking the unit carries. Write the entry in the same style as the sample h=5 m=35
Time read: h=7 m=22
